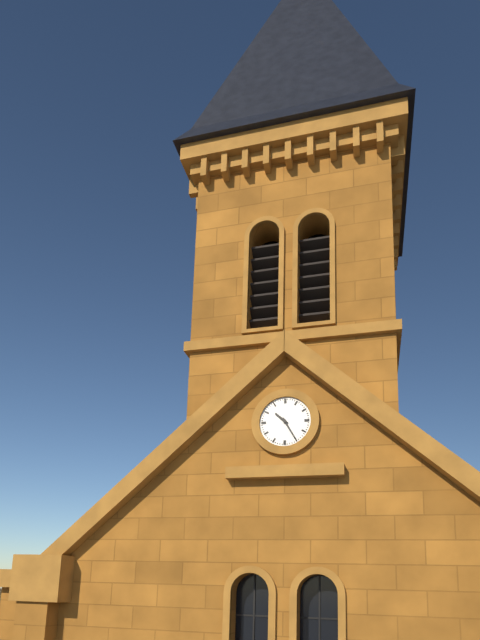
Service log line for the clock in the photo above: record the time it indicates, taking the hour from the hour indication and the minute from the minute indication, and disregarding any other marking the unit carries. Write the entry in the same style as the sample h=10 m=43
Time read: h=10 m=25
